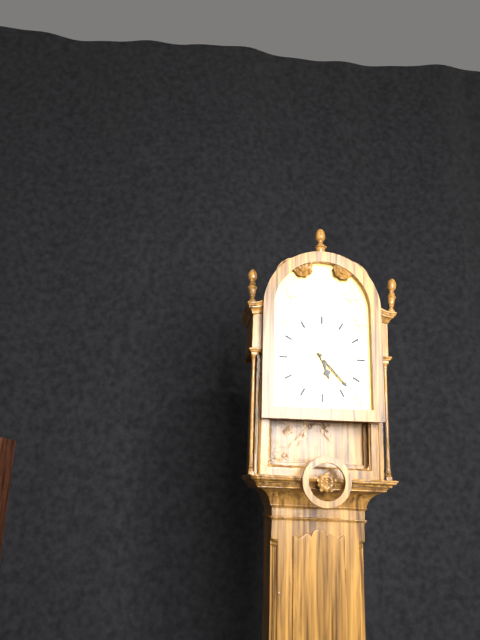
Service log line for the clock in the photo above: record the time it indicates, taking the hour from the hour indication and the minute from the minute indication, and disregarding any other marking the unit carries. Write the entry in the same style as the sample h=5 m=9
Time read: h=5 m=23
